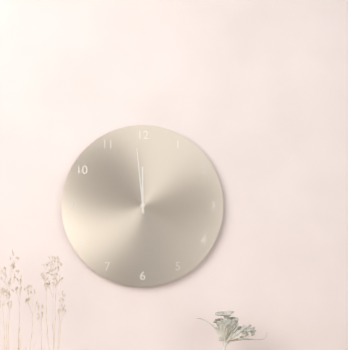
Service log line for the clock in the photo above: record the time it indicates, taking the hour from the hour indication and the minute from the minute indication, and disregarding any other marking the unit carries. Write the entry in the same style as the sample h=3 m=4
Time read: h=11 m=59
